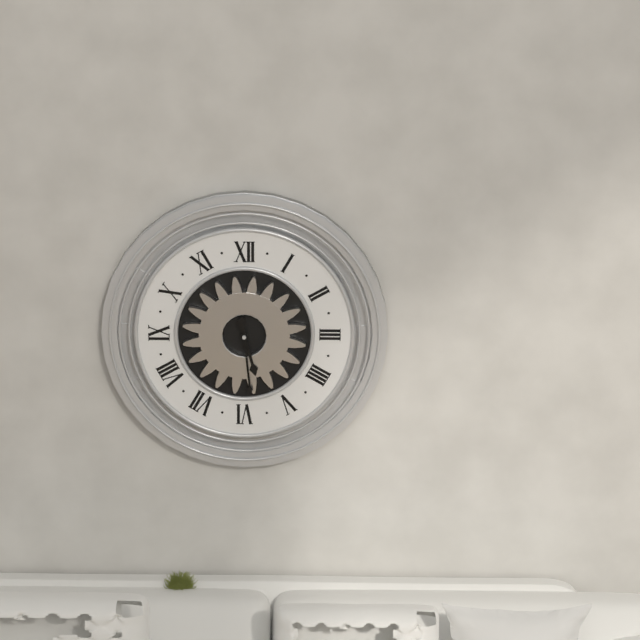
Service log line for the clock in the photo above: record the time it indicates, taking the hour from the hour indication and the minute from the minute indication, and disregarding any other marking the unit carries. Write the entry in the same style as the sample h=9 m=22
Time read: h=5 m=29
